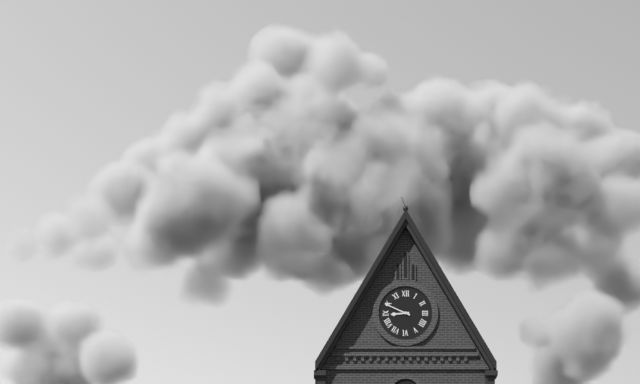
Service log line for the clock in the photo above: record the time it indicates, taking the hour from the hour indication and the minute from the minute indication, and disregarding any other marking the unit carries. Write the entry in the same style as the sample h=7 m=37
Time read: h=8 m=49
